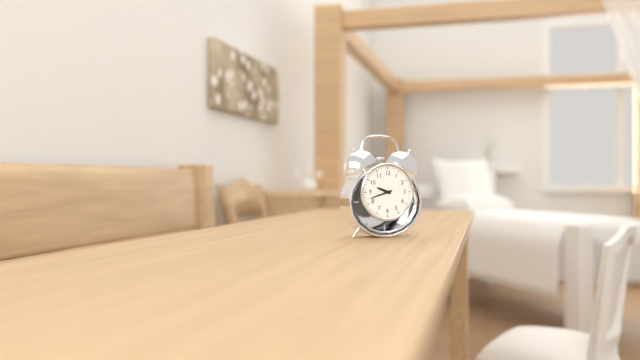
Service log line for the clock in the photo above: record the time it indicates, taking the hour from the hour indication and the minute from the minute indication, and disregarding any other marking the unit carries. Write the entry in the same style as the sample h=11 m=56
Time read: h=9 m=42
